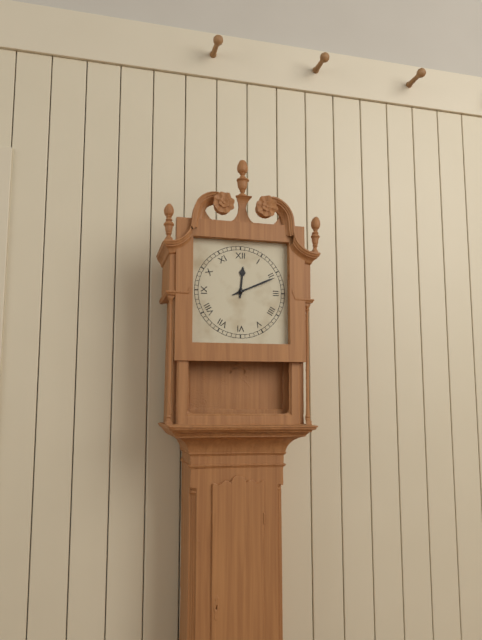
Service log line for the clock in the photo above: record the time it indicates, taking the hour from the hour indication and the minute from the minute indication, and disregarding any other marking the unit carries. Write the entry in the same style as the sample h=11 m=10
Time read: h=12 m=11
